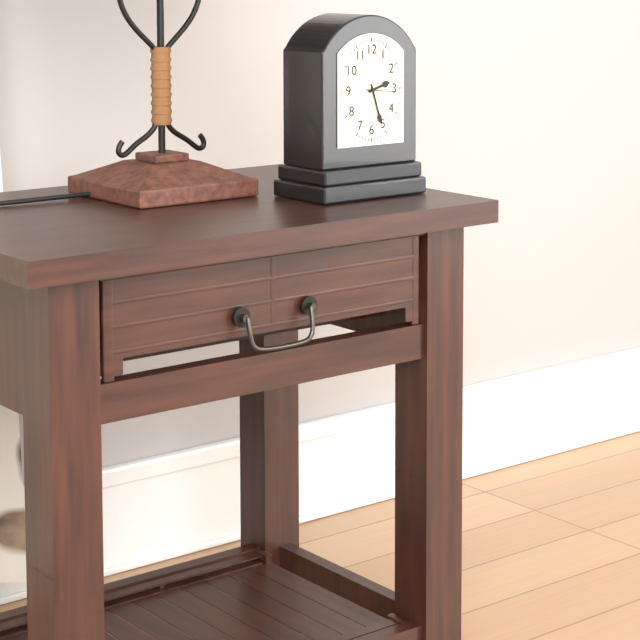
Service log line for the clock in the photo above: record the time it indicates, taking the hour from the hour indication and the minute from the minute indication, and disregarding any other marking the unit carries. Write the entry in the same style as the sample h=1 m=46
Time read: h=2 m=27
